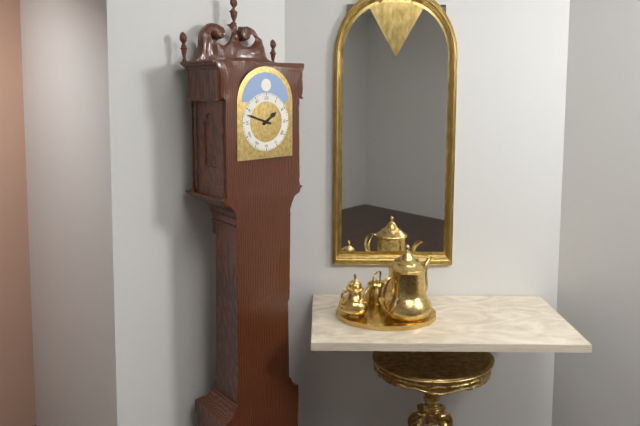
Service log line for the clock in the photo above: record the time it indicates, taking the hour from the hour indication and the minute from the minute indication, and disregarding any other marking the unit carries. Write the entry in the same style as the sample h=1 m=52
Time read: h=1 m=48
